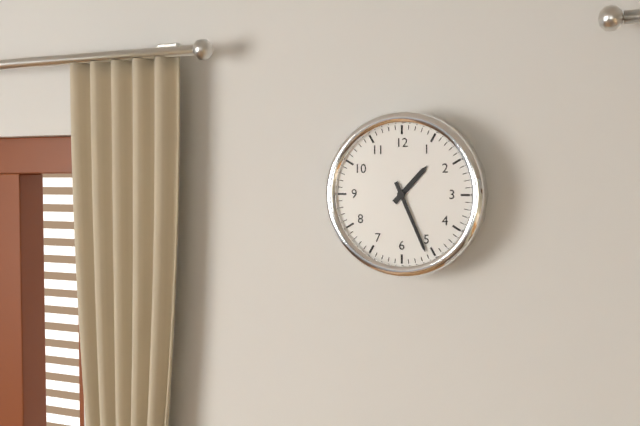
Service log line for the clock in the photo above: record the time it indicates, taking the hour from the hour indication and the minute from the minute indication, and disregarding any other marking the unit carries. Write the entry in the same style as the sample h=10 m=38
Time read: h=1 m=26
